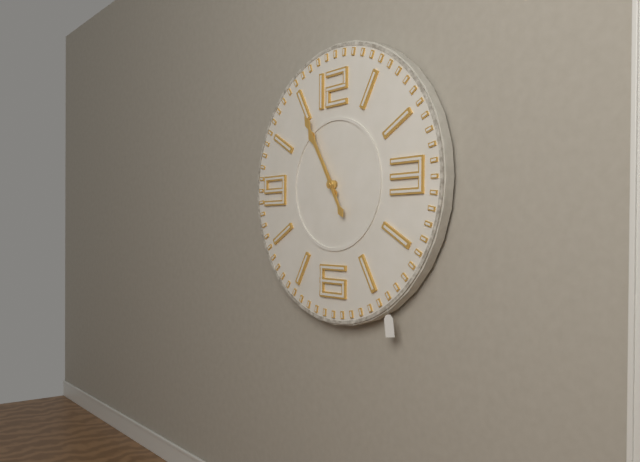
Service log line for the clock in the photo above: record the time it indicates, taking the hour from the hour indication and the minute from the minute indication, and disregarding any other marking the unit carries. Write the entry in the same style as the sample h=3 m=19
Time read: h=10 m=55
